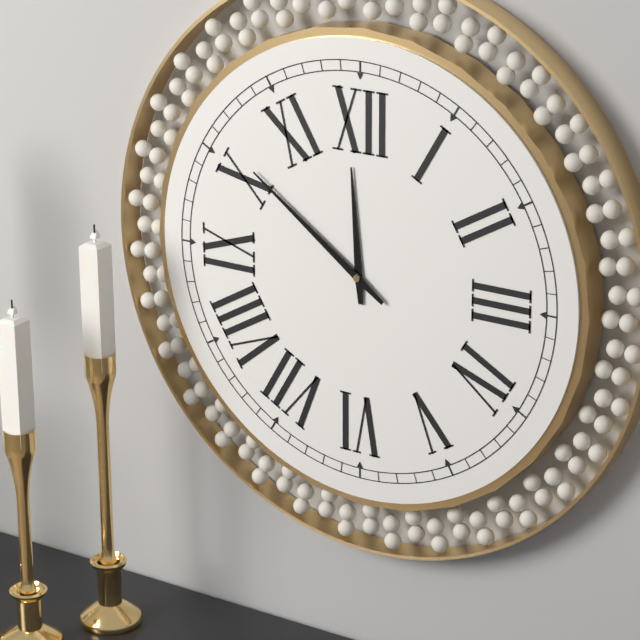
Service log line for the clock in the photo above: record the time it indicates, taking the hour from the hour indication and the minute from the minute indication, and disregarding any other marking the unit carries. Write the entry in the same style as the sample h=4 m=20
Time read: h=11 m=51
